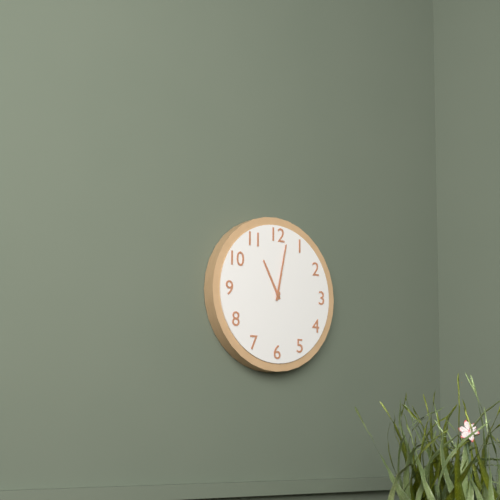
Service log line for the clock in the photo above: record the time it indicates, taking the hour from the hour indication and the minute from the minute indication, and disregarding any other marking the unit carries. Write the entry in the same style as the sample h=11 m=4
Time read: h=11 m=2
